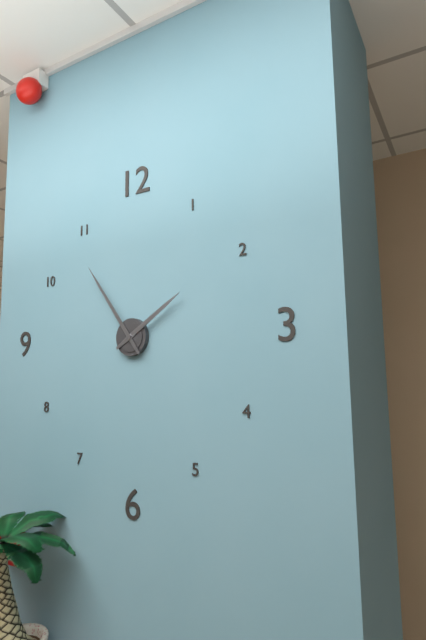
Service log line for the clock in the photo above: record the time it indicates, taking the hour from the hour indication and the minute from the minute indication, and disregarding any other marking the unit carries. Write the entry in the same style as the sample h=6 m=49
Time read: h=1 m=54
